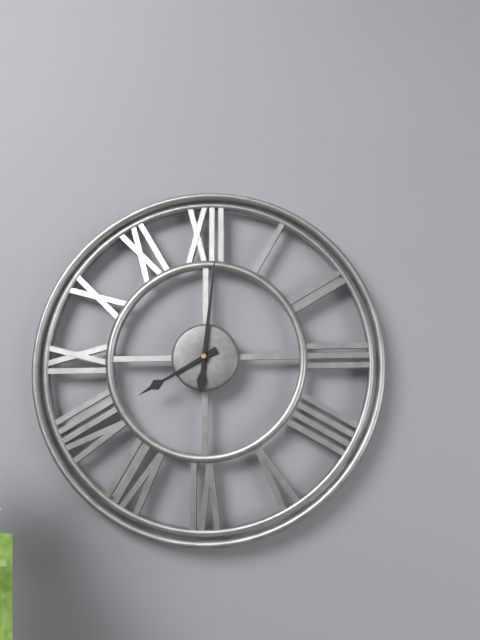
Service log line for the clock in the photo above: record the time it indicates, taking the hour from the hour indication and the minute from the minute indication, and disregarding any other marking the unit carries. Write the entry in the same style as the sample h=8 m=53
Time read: h=8 m=1
